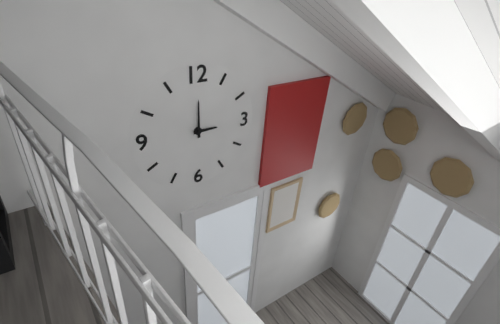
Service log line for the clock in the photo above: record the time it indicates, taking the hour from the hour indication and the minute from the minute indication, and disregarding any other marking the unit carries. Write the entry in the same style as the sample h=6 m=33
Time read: h=3 m=0
